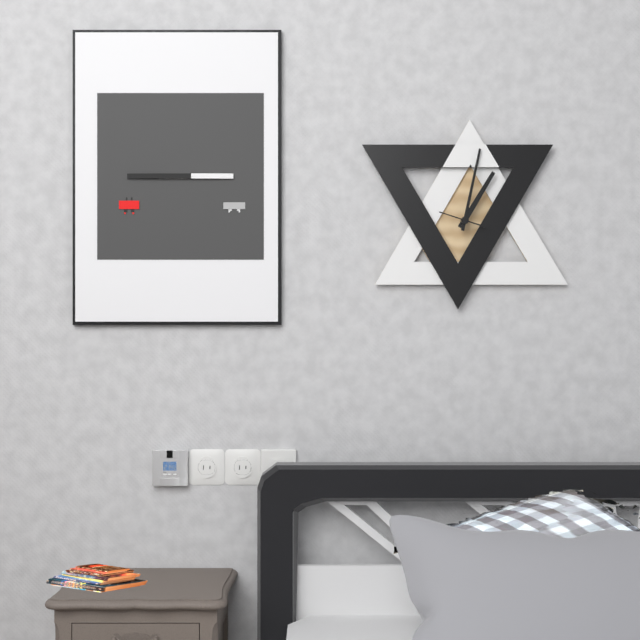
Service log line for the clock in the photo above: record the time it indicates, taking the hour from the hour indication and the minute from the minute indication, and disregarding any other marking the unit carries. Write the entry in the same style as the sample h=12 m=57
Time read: h=1 m=2
